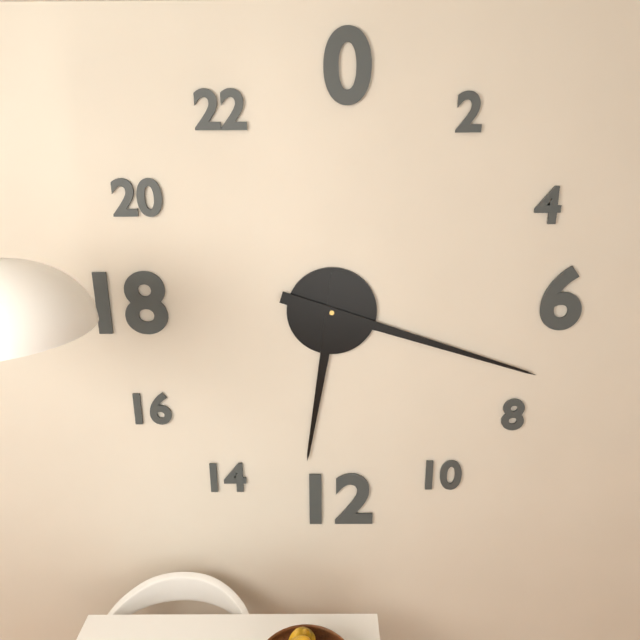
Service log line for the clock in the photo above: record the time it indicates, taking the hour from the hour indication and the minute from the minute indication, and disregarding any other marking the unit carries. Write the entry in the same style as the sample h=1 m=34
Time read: h=6 m=18
